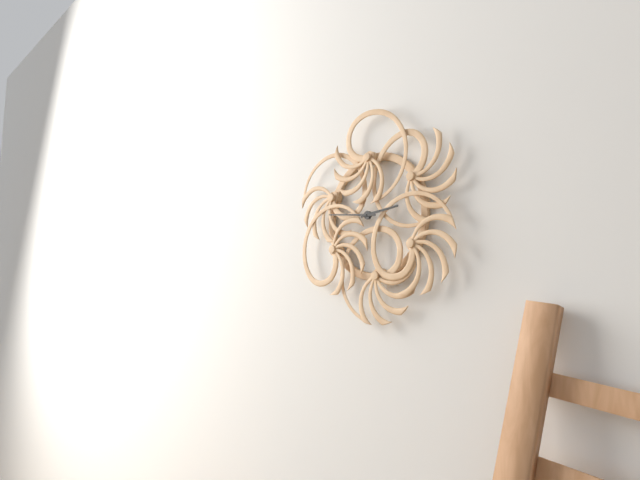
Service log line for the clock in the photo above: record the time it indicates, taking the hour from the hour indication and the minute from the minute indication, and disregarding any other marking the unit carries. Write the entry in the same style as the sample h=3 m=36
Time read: h=2 m=46
